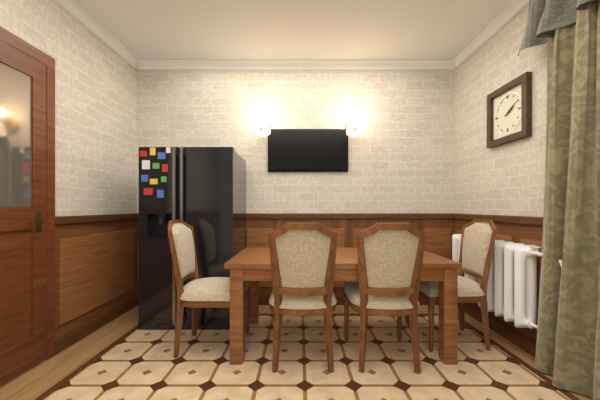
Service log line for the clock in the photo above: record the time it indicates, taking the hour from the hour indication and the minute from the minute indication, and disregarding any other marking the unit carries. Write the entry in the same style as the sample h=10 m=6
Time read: h=2 m=10
